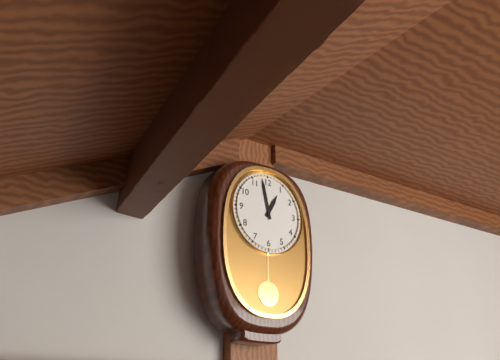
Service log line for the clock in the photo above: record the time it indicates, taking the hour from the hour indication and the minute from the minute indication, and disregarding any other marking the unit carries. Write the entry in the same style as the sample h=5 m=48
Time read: h=12 m=58
